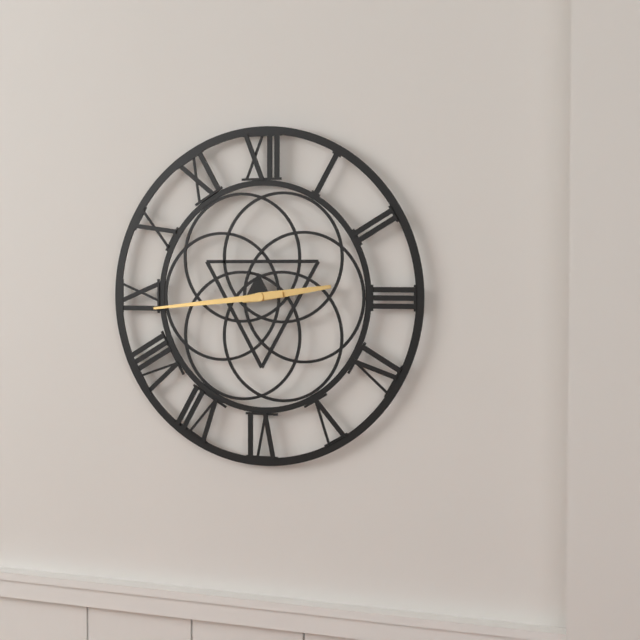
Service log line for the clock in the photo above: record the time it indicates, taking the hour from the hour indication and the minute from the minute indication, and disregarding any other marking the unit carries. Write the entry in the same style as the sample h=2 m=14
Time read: h=2 m=44
